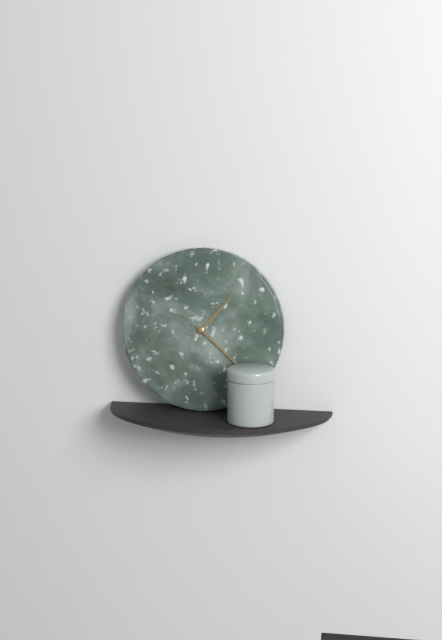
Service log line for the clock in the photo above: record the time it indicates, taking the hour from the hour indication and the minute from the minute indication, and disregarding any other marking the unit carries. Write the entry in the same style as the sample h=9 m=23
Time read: h=1 m=22
